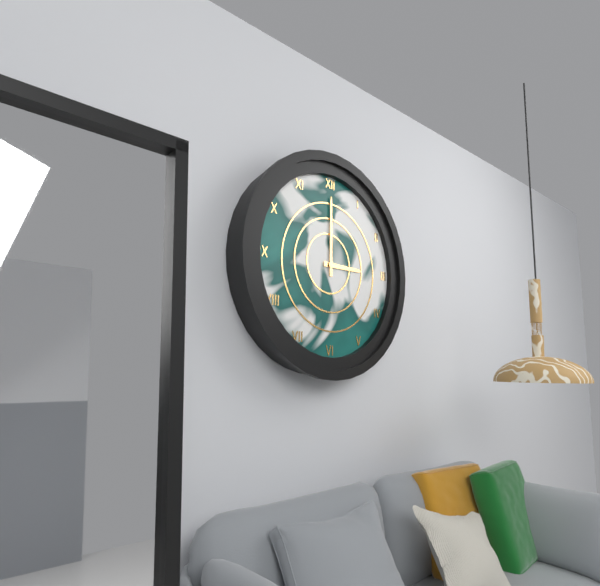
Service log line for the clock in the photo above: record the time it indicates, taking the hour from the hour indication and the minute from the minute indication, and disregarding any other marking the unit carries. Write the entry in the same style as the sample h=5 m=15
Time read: h=3 m=0
